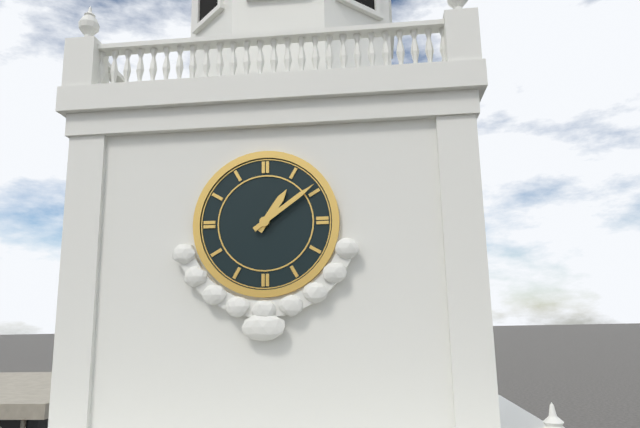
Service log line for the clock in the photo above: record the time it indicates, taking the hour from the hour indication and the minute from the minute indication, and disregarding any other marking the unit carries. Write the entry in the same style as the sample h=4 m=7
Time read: h=1 m=9
